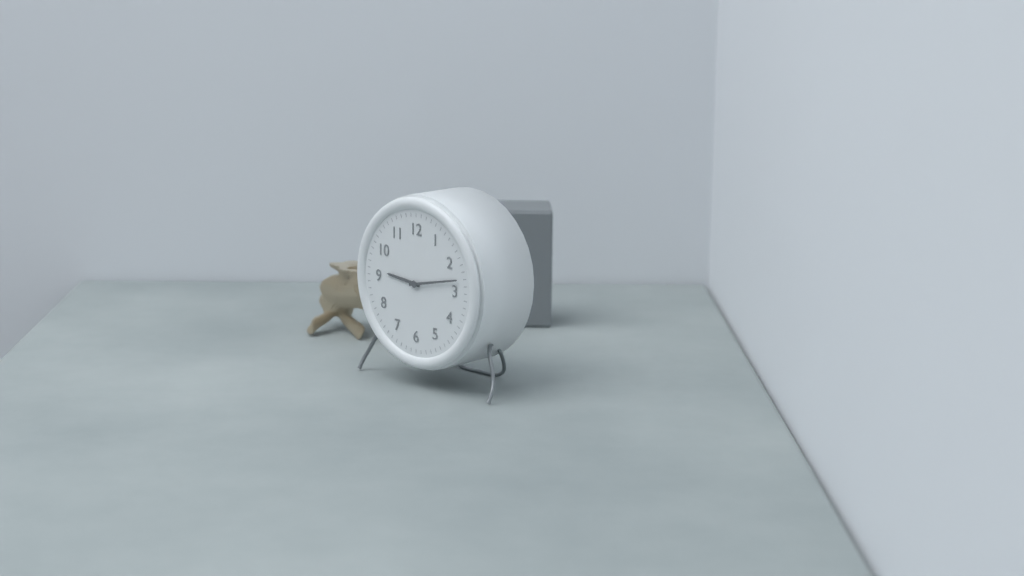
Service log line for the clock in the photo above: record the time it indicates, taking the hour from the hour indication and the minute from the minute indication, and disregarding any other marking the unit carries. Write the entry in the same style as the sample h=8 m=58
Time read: h=9 m=13
